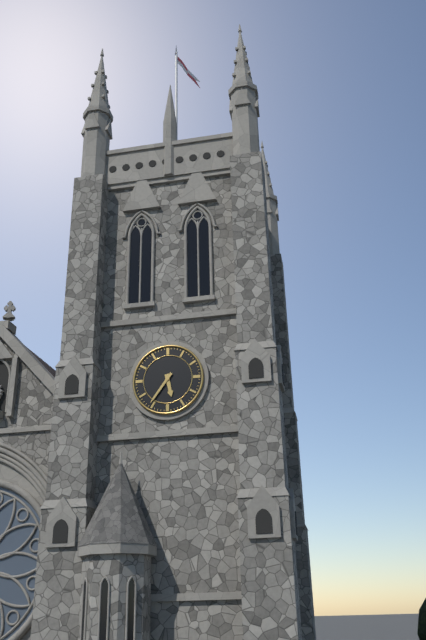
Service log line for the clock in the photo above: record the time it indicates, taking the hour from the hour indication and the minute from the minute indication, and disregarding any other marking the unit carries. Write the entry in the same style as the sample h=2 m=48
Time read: h=5 m=36
